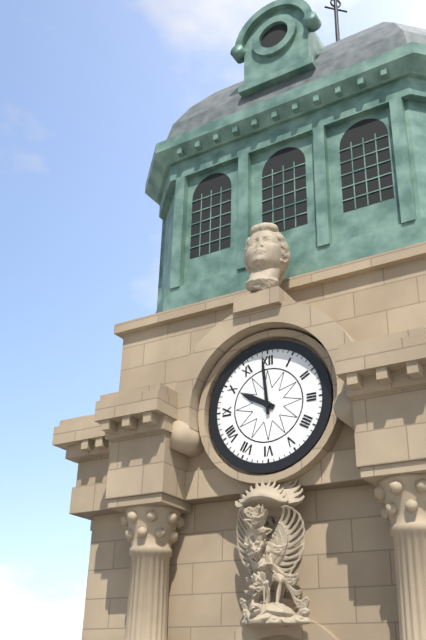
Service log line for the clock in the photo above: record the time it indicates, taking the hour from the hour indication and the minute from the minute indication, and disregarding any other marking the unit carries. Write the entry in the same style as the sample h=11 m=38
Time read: h=9 m=59
